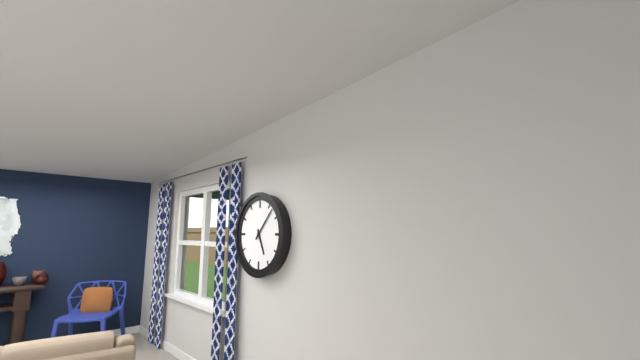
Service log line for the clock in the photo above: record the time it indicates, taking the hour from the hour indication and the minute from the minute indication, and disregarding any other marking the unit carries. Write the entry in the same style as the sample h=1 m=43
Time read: h=5 m=7
